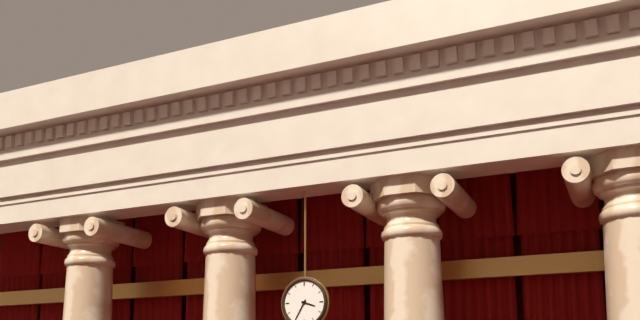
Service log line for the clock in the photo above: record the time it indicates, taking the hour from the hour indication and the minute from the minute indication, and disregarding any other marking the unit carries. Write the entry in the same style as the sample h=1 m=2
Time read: h=3 m=35
